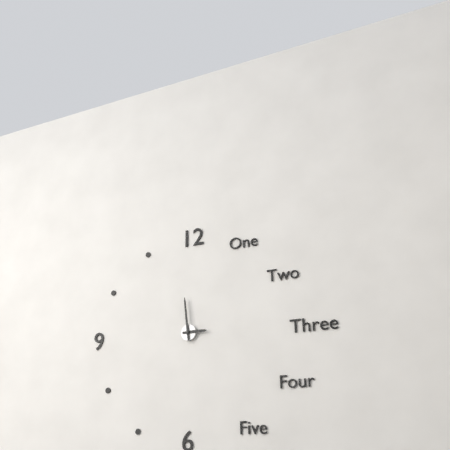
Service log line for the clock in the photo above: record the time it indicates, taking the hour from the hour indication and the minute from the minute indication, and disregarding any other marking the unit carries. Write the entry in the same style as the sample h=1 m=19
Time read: h=2 m=59
